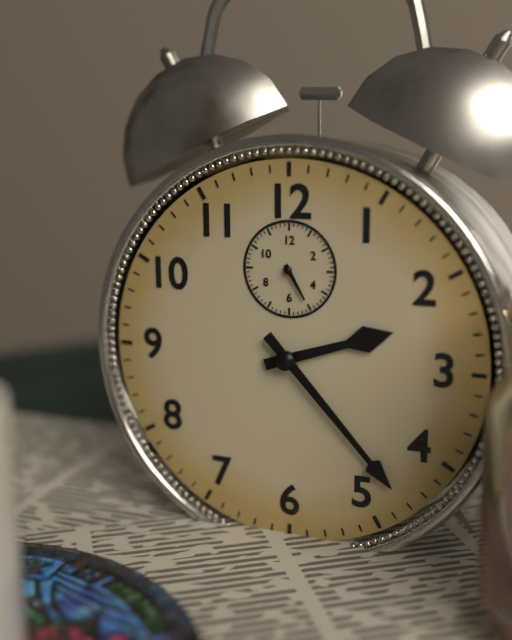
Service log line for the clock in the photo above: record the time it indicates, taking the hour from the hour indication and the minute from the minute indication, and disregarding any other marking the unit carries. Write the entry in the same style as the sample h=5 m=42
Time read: h=2 m=23
